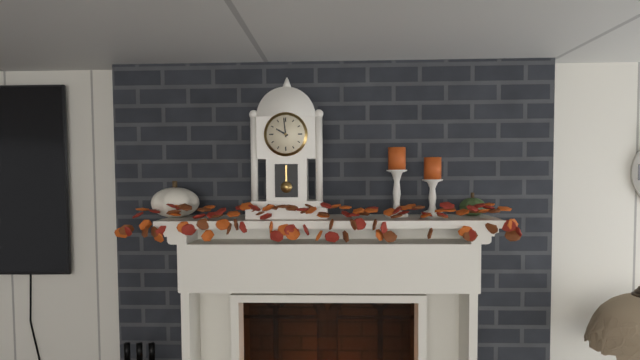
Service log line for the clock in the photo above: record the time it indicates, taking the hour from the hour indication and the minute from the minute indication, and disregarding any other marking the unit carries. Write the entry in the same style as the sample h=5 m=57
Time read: h=9 m=59
